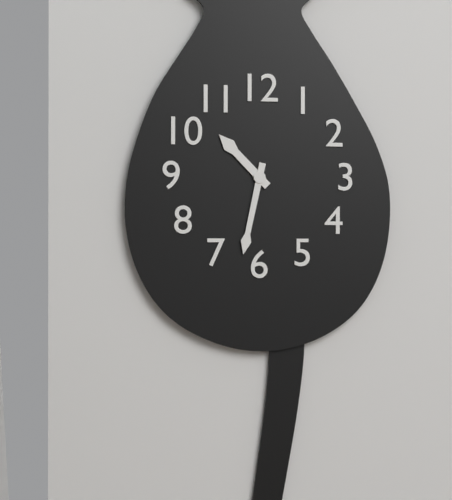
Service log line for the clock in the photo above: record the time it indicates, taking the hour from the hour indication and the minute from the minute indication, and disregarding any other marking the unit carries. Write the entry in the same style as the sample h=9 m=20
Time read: h=10 m=32
